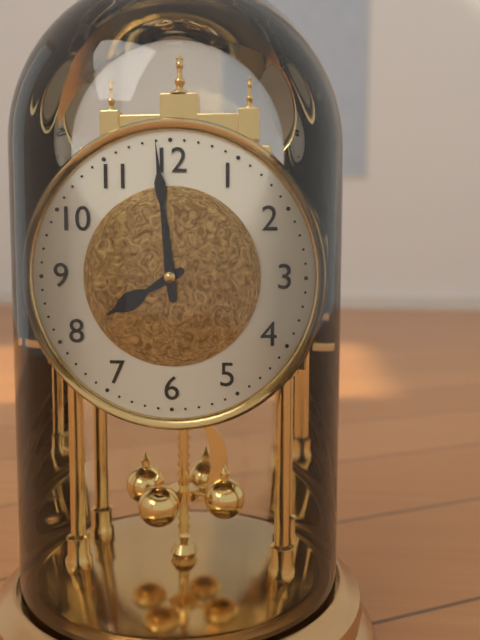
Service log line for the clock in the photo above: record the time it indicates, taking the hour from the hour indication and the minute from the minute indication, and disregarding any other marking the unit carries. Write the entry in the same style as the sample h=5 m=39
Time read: h=7 m=59
